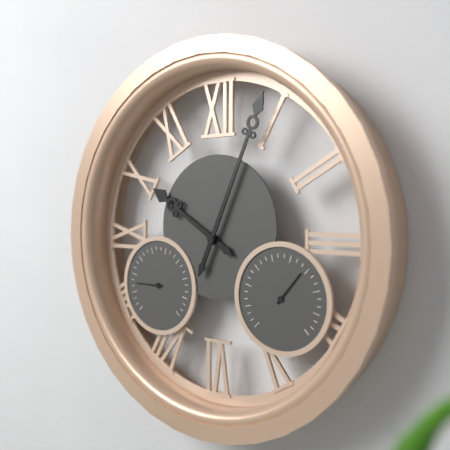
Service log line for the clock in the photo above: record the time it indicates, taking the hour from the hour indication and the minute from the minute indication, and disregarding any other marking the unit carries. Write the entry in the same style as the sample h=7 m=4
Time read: h=10 m=4
